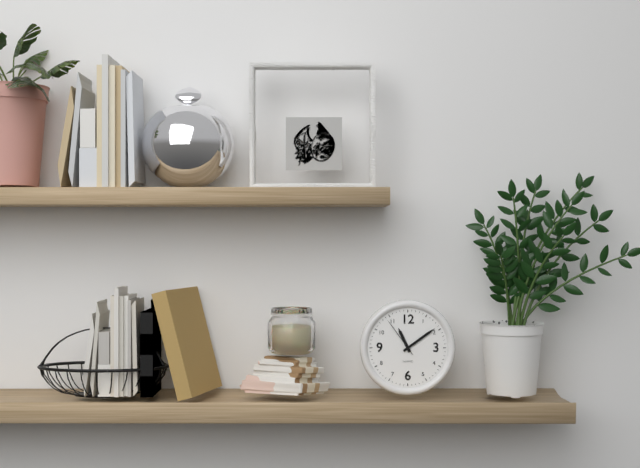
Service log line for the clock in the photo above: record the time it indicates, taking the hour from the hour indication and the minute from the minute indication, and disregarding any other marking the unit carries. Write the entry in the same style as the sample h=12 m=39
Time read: h=11 m=9
